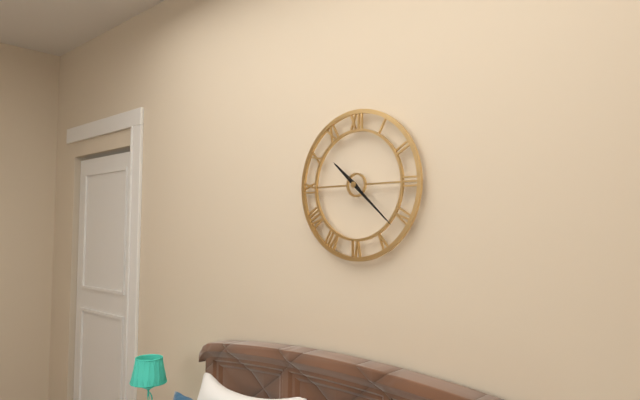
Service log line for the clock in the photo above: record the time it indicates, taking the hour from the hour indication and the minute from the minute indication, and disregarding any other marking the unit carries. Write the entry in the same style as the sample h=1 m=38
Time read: h=10 m=22
